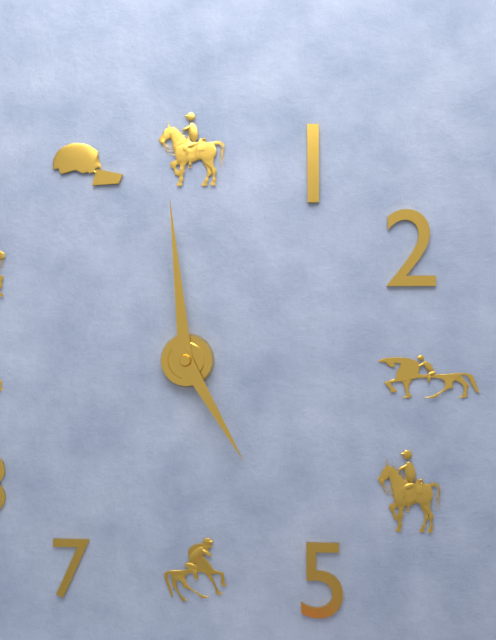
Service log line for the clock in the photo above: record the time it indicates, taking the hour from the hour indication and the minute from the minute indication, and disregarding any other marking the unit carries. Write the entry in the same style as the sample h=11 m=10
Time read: h=4 m=59
